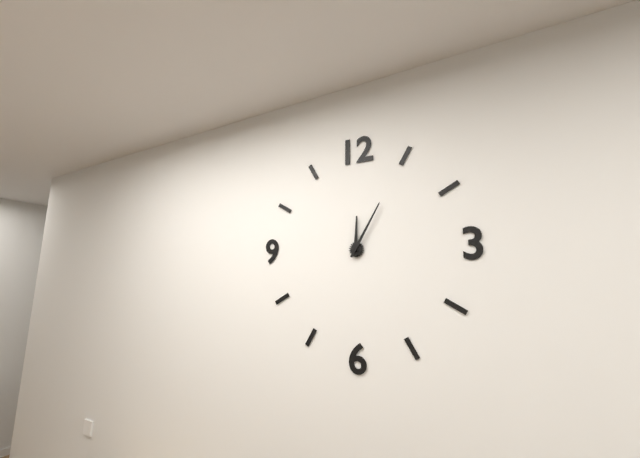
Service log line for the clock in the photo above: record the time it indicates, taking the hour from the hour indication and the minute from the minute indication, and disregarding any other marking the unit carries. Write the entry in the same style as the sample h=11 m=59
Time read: h=12 m=5
